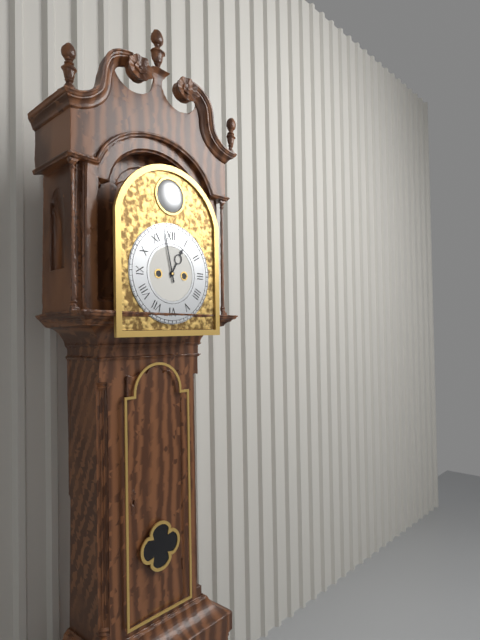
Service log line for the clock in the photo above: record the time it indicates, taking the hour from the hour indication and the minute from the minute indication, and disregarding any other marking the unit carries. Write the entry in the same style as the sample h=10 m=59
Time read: h=12 m=58
